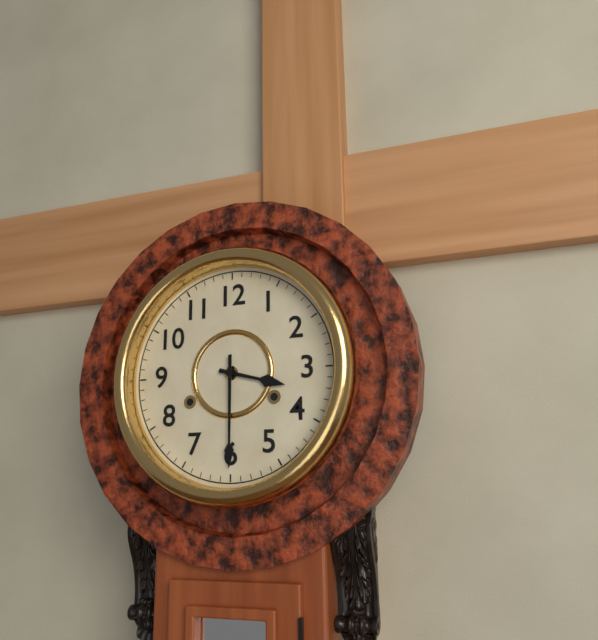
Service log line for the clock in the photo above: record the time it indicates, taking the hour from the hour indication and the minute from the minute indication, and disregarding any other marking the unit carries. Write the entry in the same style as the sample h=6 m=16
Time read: h=3 m=30
